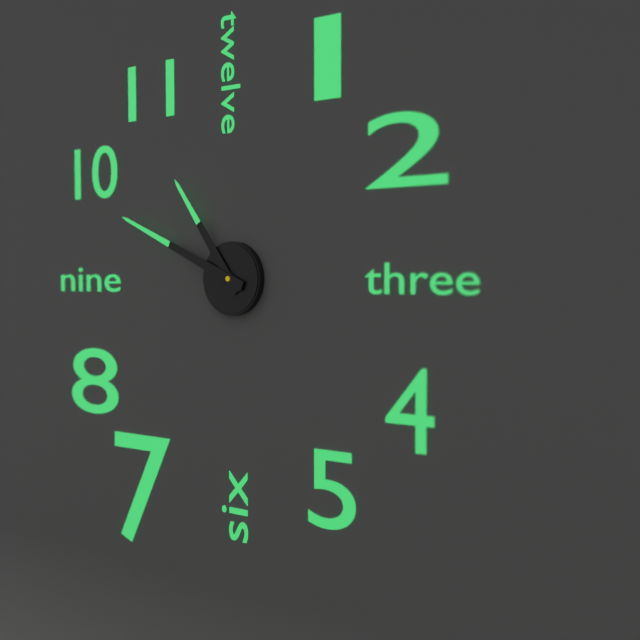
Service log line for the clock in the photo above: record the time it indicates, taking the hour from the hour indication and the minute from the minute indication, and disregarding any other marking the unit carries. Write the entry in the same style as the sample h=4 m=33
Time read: h=10 m=49
